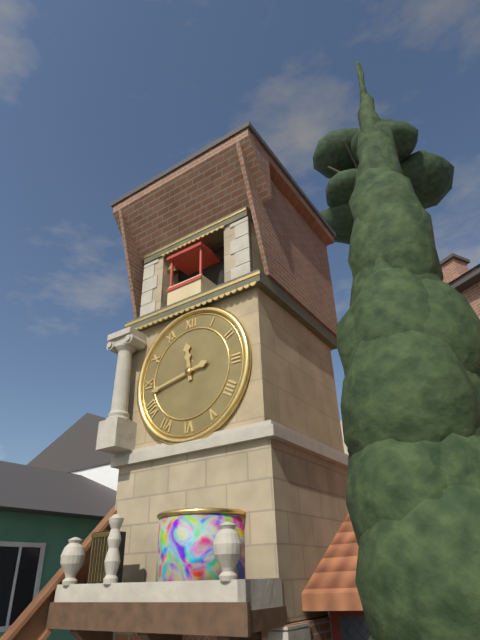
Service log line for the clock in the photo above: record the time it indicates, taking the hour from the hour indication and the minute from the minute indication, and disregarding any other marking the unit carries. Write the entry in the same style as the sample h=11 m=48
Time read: h=11 m=43
